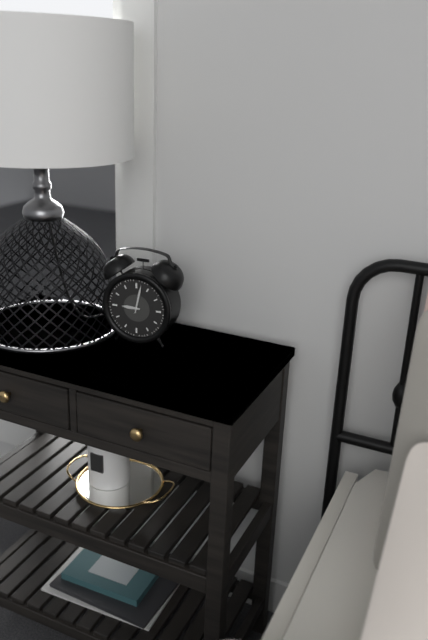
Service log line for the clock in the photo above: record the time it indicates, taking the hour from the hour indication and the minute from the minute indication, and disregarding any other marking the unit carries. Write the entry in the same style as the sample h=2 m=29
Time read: h=9 m=2
